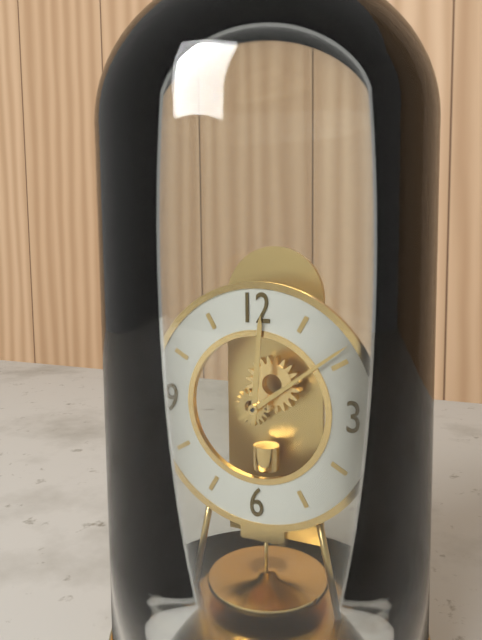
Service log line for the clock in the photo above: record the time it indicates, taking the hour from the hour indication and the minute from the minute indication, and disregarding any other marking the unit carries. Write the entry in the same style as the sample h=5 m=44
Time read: h=12 m=9
